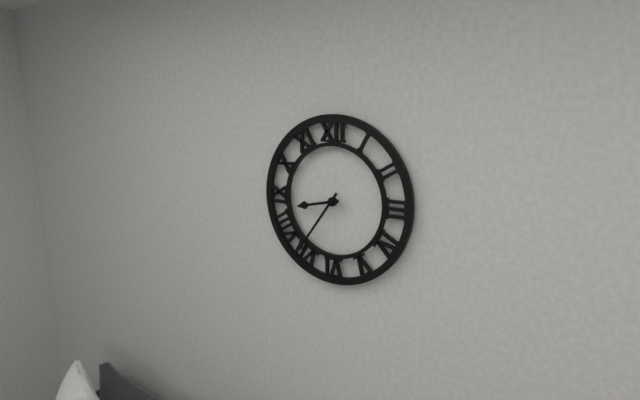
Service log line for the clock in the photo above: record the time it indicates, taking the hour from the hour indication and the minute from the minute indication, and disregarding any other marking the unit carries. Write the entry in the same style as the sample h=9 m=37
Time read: h=8 m=36
